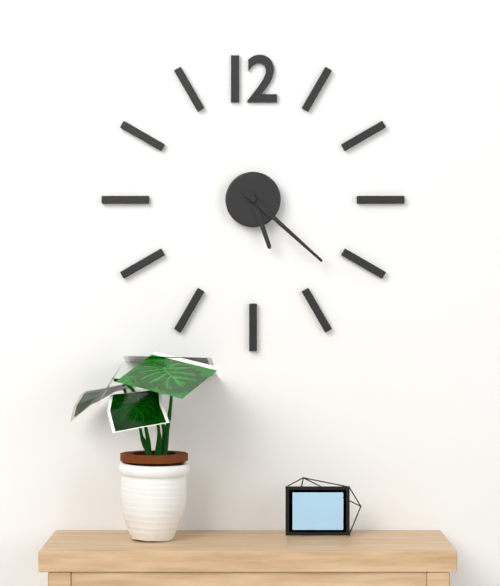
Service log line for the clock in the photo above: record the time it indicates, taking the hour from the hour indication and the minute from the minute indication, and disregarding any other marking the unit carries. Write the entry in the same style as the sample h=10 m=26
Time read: h=5 m=22
